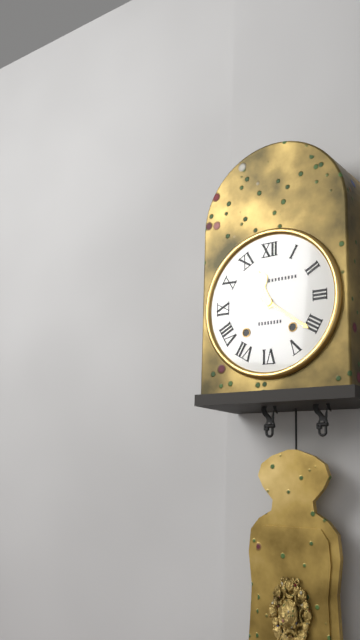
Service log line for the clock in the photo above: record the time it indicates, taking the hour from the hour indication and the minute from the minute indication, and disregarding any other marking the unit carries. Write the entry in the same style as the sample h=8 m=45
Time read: h=11 m=21
